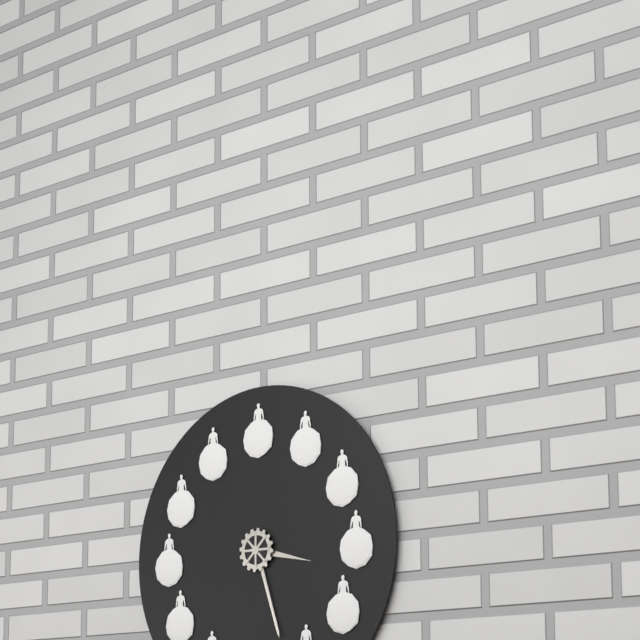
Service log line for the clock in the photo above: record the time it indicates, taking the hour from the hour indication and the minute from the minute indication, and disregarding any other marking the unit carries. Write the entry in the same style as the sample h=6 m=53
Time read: h=3 m=27
